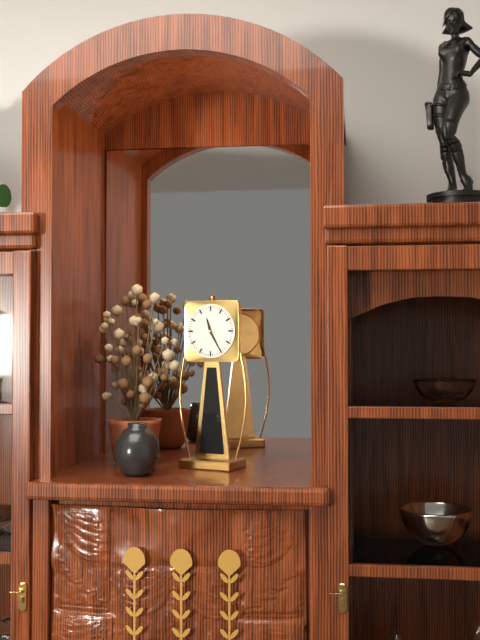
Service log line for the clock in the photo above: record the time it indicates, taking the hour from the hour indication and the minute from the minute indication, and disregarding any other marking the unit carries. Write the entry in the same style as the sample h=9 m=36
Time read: h=11 m=25
